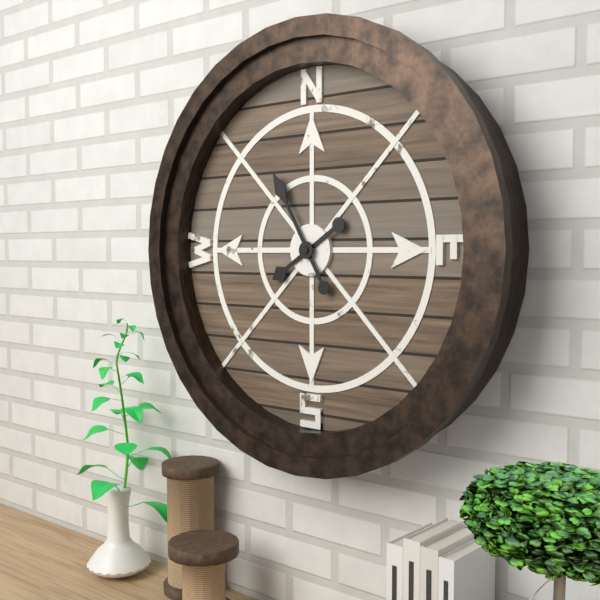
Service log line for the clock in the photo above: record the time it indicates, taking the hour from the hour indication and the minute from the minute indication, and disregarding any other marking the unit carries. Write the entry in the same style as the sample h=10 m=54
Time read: h=7 m=55
